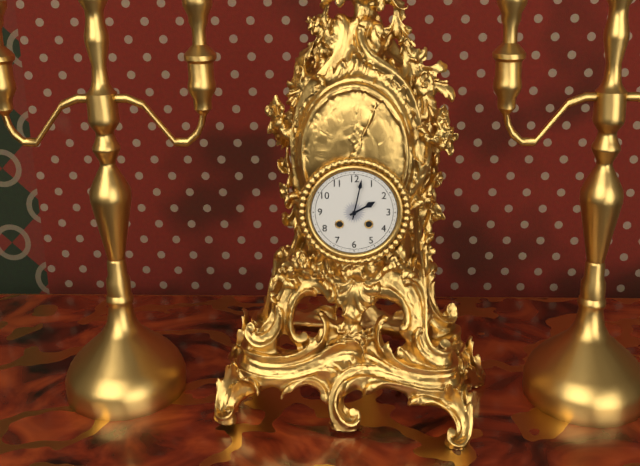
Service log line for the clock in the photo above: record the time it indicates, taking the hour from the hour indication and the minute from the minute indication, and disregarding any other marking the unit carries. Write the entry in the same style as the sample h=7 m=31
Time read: h=2 m=2
